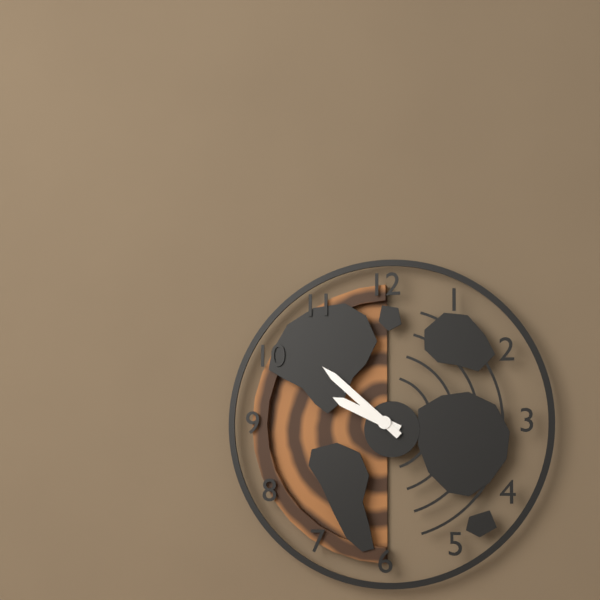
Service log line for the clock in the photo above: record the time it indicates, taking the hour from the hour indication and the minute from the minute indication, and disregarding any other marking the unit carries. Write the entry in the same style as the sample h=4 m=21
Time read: h=9 m=52
